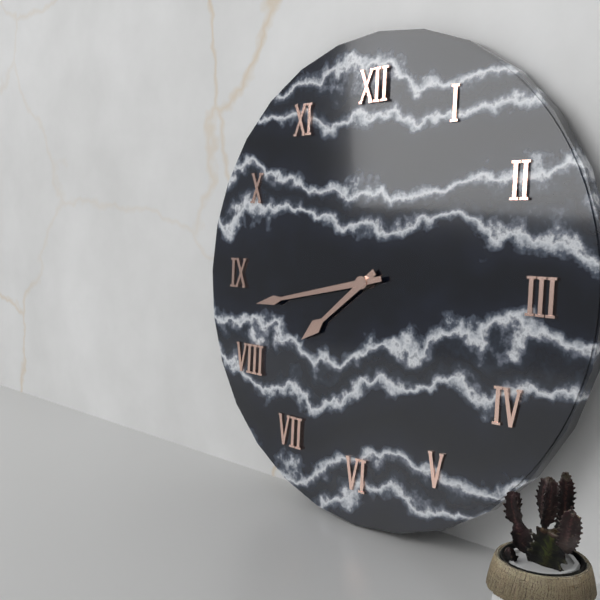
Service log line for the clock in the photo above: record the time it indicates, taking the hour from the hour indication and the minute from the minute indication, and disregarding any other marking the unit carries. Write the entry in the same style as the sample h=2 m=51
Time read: h=7 m=43
